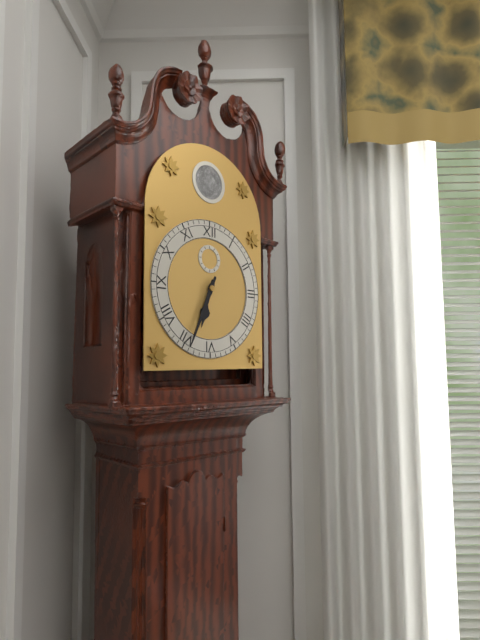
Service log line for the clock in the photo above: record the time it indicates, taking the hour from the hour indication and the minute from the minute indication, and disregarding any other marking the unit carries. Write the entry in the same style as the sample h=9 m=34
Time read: h=6 m=34
